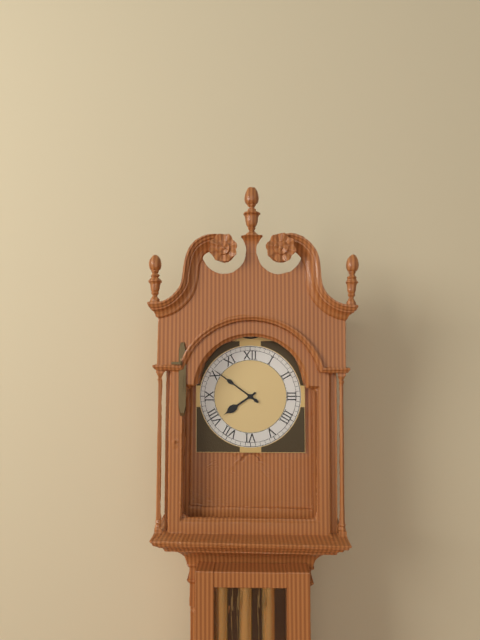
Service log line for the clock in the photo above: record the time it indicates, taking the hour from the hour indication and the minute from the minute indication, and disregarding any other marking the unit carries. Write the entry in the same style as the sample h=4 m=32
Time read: h=7 m=51
